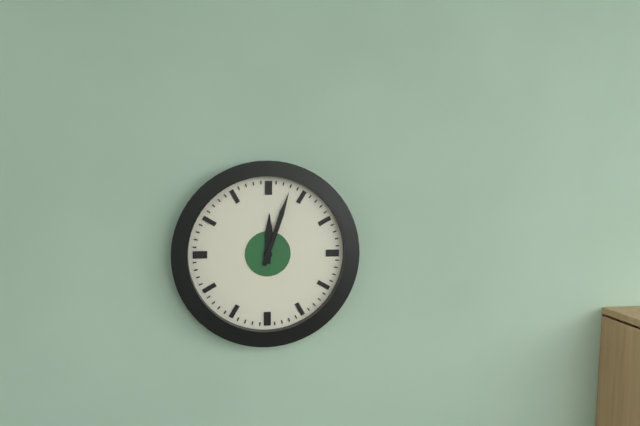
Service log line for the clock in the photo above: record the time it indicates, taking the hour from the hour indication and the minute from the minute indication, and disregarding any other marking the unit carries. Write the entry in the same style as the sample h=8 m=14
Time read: h=12 m=3
